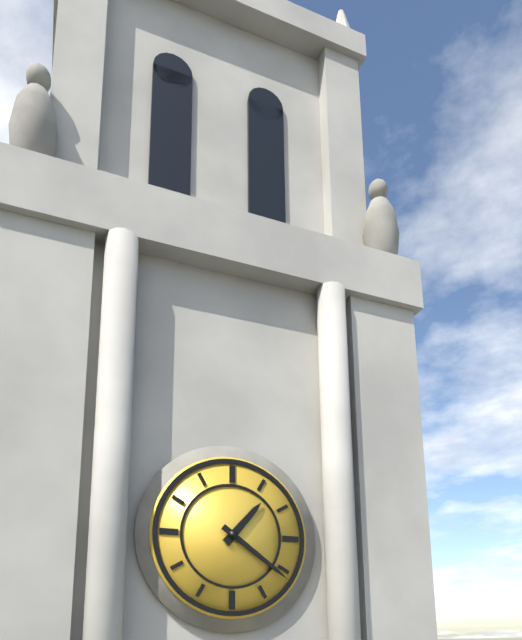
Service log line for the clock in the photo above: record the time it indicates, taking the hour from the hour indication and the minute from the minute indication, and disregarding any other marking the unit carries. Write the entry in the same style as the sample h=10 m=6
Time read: h=1 m=21
